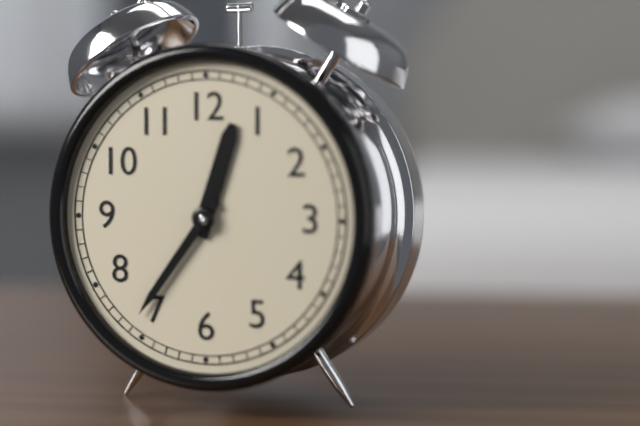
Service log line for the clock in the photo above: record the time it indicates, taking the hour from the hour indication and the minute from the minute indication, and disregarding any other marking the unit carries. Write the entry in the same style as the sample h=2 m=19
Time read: h=12 m=36
